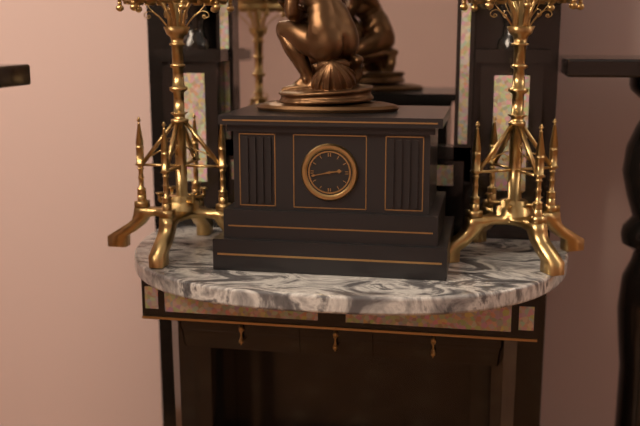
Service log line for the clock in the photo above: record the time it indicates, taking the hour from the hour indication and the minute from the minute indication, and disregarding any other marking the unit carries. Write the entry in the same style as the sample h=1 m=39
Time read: h=2 m=43
